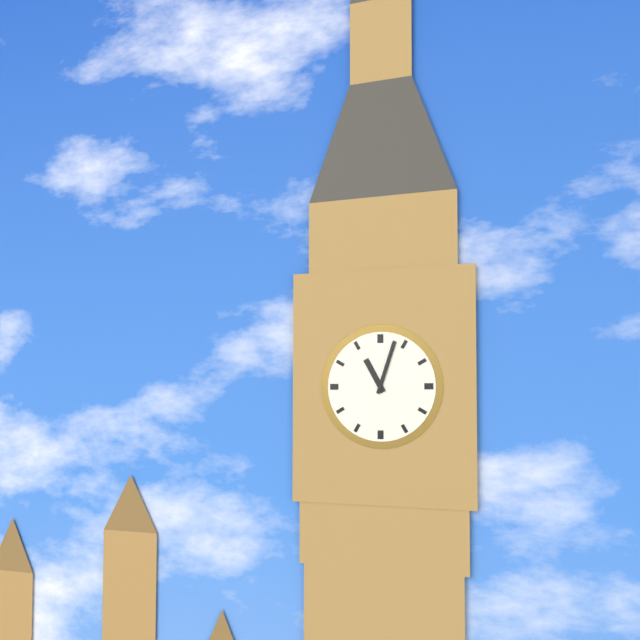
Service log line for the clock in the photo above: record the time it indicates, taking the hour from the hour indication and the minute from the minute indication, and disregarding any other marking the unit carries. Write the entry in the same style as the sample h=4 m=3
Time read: h=11 m=3
